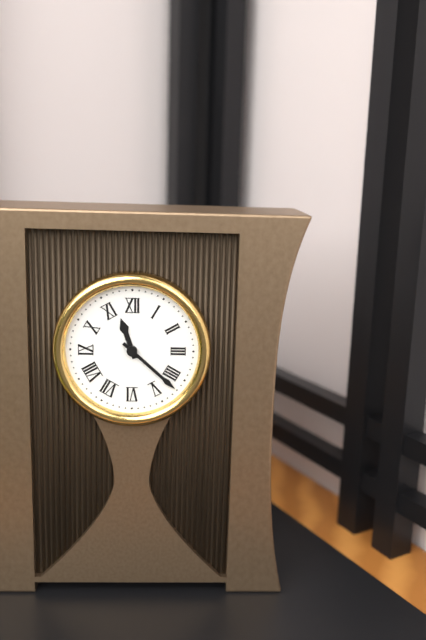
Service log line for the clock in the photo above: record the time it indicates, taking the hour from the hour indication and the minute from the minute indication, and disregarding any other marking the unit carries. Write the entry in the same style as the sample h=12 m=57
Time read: h=11 m=22
